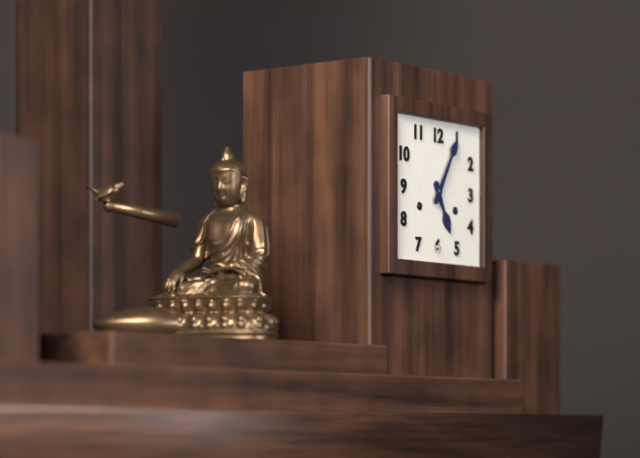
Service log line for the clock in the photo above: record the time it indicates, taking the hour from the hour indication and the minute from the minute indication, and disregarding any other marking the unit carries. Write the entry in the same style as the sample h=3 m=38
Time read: h=5 m=5
